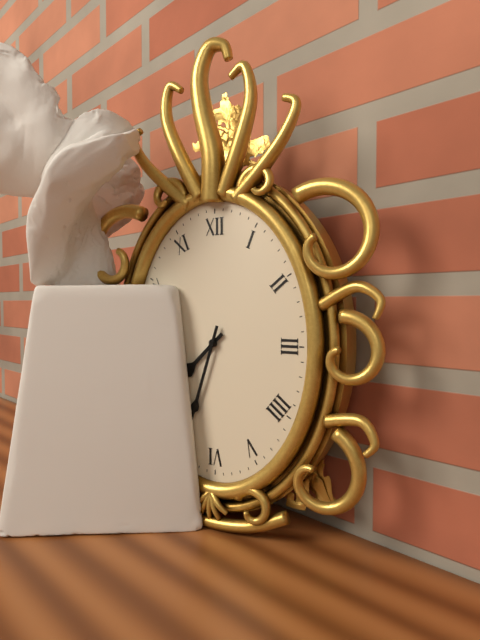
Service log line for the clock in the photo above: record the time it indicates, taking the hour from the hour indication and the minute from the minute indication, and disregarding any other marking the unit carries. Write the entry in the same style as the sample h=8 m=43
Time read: h=7 m=33
